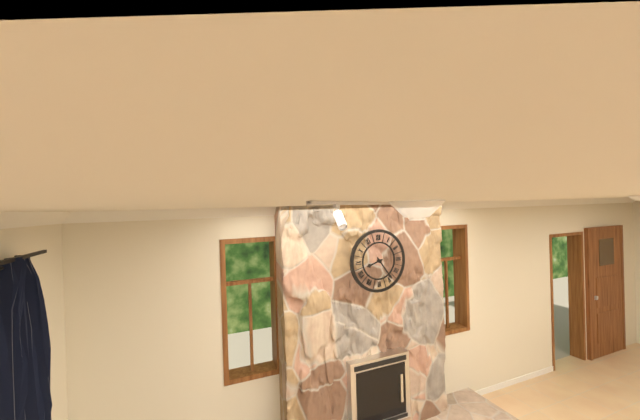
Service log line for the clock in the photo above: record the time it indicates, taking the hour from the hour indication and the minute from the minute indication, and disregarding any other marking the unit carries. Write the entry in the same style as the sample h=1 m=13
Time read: h=8 m=24
